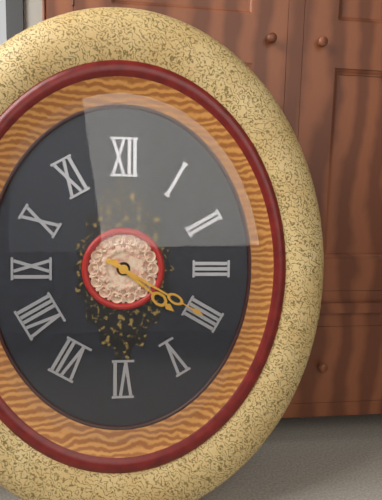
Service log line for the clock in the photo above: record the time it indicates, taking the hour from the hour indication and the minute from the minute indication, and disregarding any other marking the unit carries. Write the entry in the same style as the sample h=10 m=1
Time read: h=4 m=20
